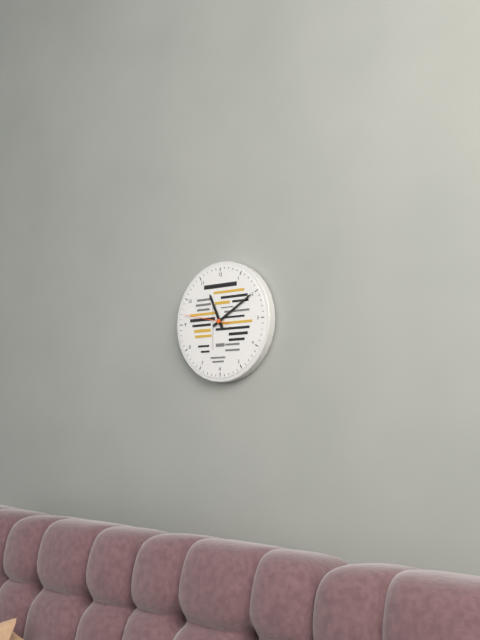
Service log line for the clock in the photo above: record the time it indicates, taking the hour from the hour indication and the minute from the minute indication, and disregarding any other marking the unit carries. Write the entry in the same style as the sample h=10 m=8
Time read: h=11 m=10
